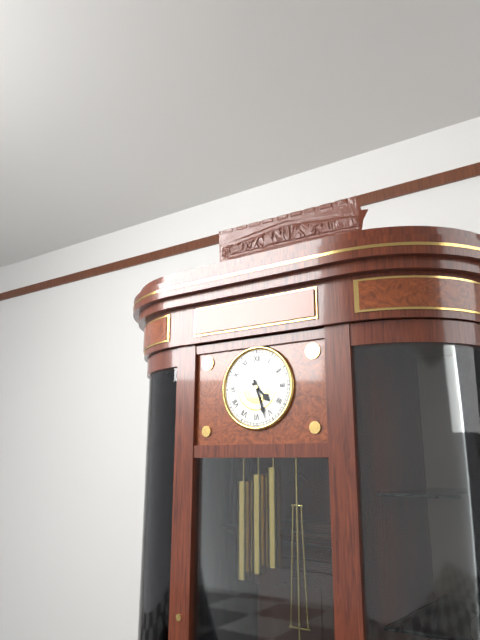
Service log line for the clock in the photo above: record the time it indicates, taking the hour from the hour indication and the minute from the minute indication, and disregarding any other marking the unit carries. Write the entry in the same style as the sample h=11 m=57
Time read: h=4 m=27
